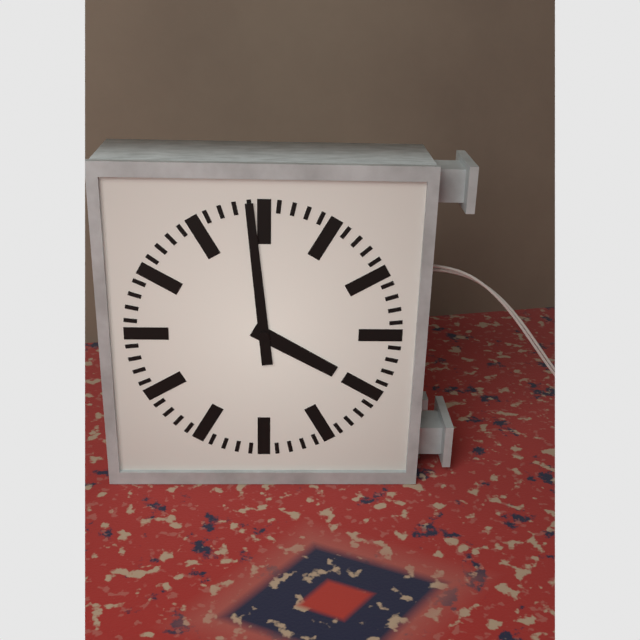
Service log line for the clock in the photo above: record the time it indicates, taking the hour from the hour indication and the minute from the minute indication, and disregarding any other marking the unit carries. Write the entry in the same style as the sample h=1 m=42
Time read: h=3 m=59
